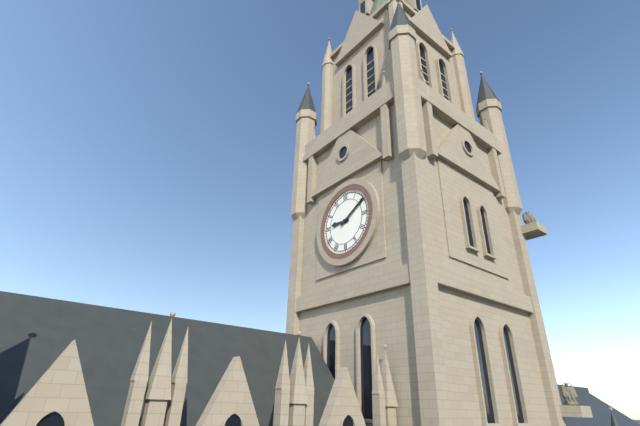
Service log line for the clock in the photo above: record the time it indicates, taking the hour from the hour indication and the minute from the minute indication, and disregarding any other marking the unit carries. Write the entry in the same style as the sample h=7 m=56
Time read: h=9 m=10
